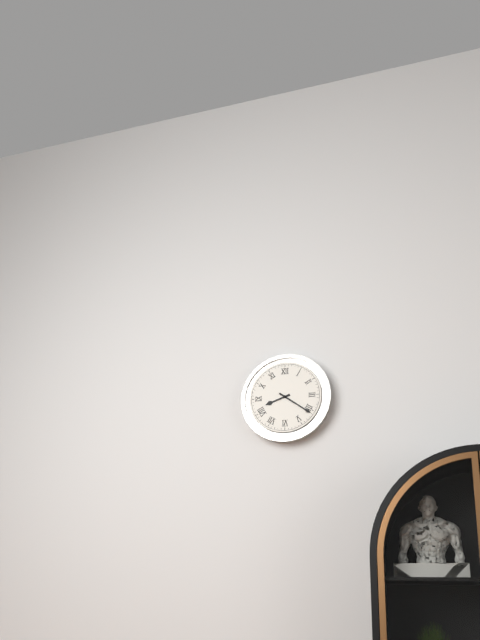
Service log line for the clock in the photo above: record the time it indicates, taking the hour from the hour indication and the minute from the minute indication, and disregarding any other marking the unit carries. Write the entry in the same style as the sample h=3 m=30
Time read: h=8 m=21
